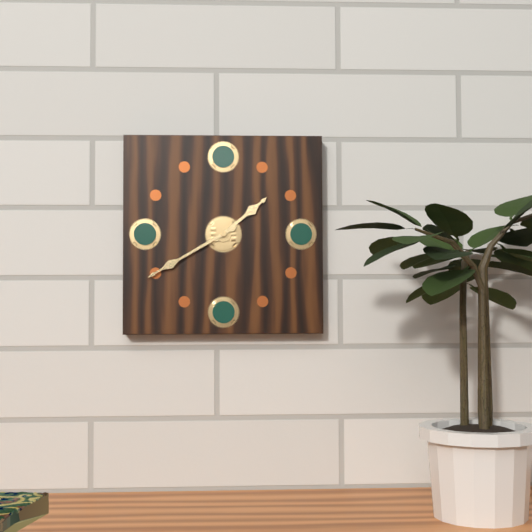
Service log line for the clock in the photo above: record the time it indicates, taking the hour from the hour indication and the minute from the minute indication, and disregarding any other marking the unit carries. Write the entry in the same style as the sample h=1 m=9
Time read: h=1 m=40
